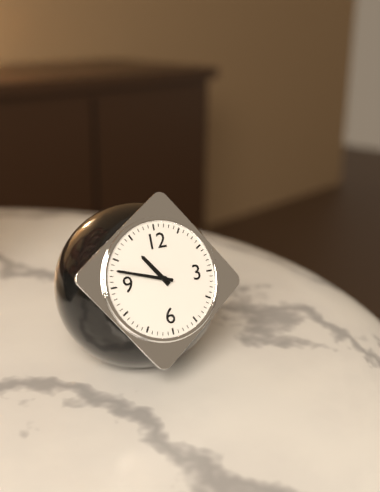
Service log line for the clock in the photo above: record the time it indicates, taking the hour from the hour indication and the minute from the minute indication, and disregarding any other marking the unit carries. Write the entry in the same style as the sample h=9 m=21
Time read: h=10 m=48
